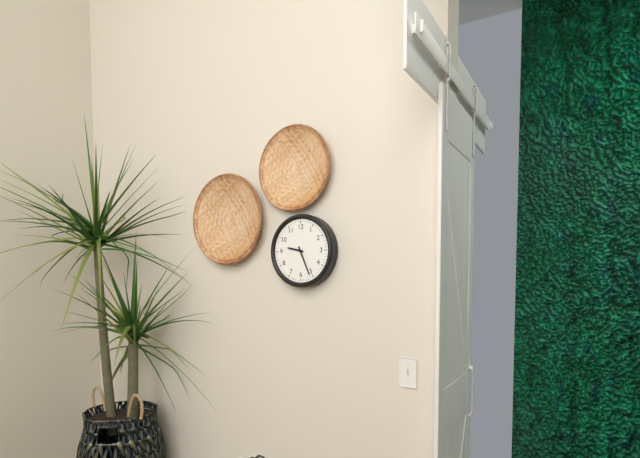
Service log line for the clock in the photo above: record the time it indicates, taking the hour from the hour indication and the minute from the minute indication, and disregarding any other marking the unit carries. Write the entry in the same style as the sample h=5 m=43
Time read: h=9 m=26
